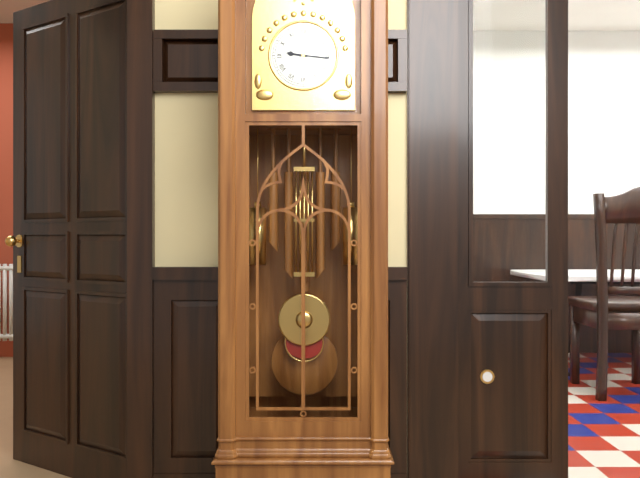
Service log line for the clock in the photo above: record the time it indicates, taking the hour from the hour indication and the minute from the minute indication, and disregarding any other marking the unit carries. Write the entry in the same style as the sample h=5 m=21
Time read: h=9 m=16
